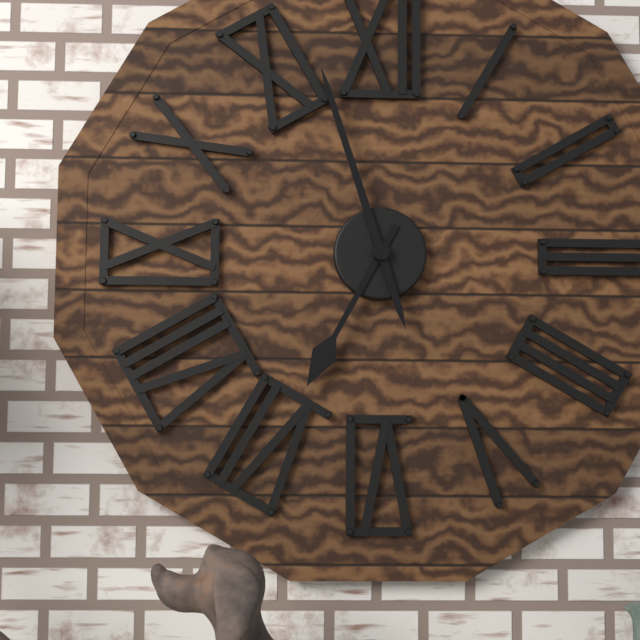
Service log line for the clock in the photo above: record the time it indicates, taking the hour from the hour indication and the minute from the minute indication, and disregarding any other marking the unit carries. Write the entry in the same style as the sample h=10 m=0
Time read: h=6 m=57
